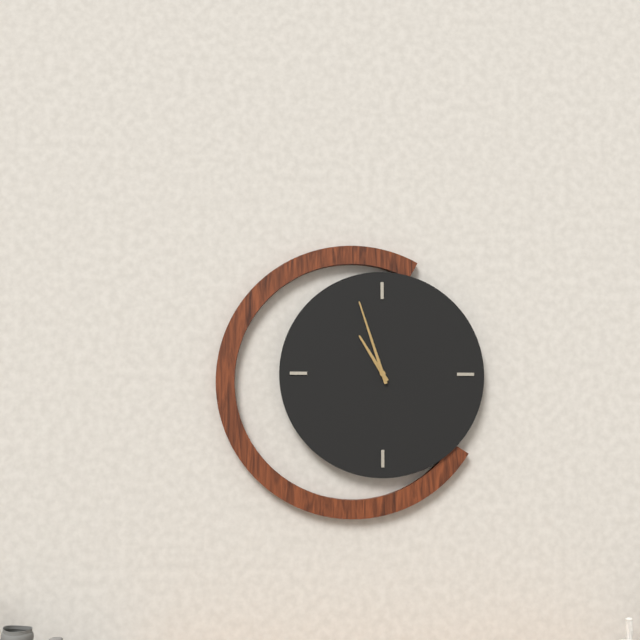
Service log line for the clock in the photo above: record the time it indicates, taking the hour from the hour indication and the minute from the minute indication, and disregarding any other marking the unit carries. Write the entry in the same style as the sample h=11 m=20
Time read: h=10 m=57
